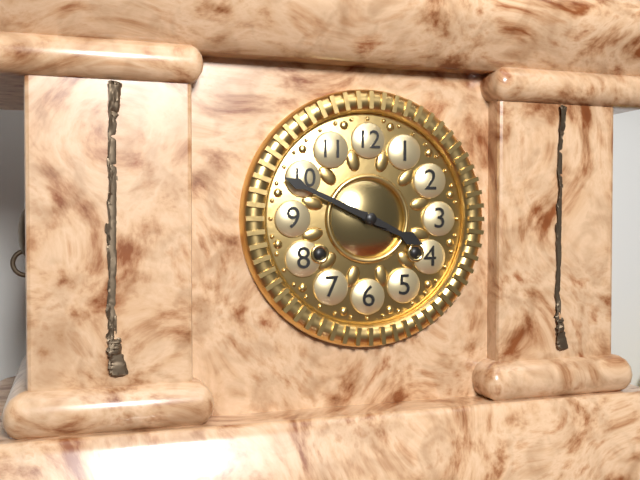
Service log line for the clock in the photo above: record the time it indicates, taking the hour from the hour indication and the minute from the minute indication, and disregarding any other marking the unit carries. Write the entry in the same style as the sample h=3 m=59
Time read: h=3 m=49
